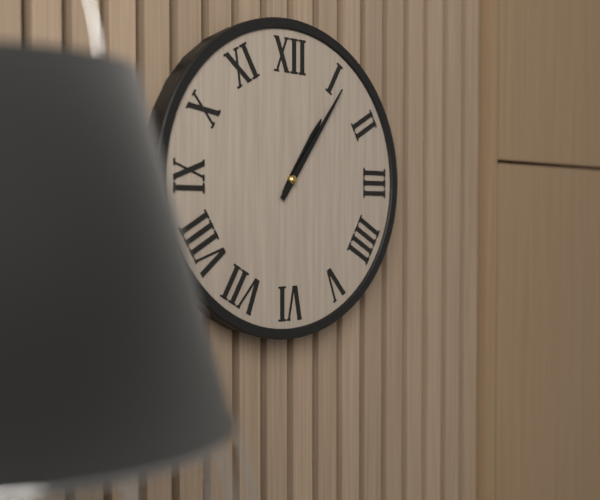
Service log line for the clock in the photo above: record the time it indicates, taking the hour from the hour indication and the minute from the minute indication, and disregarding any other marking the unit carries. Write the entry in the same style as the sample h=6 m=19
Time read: h=1 m=6
